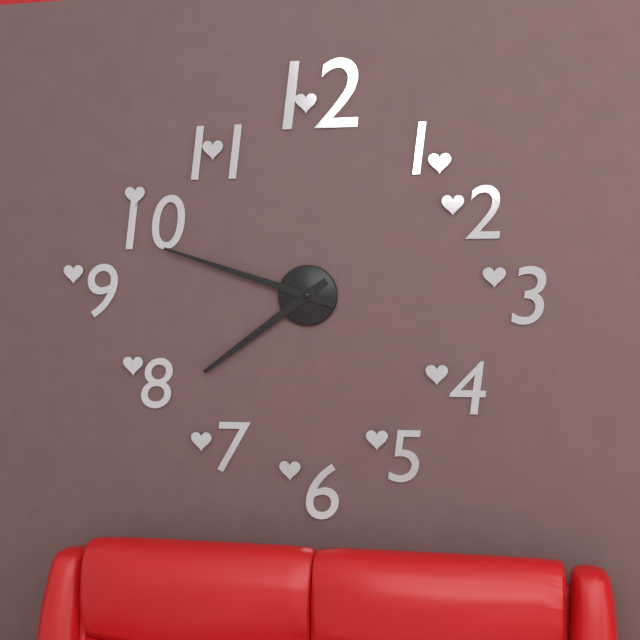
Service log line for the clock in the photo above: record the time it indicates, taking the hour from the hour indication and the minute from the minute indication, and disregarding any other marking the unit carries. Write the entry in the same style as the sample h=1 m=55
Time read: h=7 m=48
